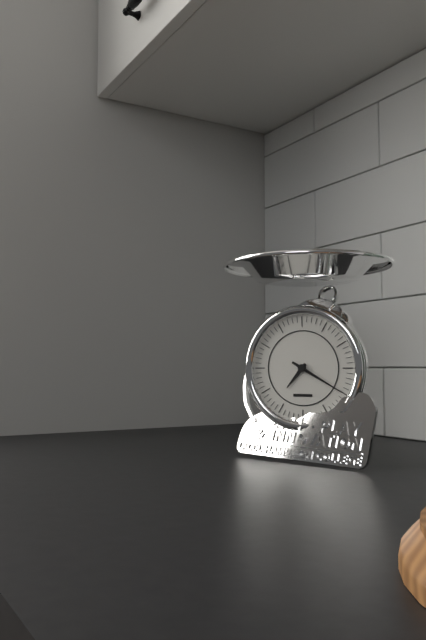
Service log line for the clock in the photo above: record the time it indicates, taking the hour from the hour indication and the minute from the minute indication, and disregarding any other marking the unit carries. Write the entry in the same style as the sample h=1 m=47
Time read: h=7 m=20
